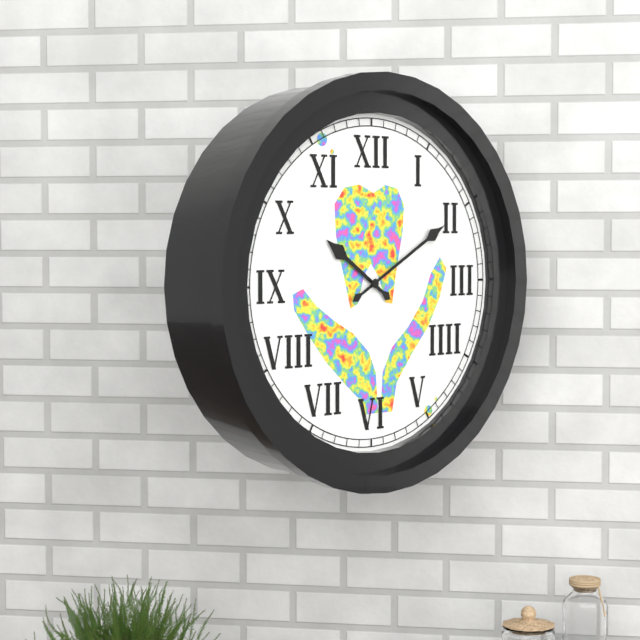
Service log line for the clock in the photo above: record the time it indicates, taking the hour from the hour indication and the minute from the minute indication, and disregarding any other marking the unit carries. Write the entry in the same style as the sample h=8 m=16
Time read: h=10 m=10
